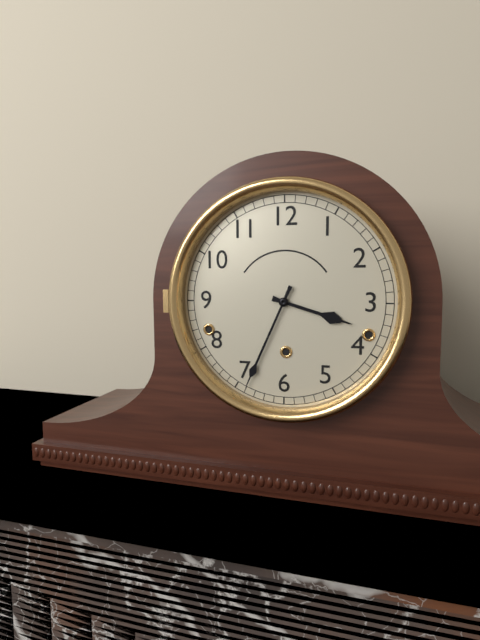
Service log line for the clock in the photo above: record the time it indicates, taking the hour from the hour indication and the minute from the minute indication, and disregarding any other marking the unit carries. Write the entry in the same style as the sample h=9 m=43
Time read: h=3 m=34
